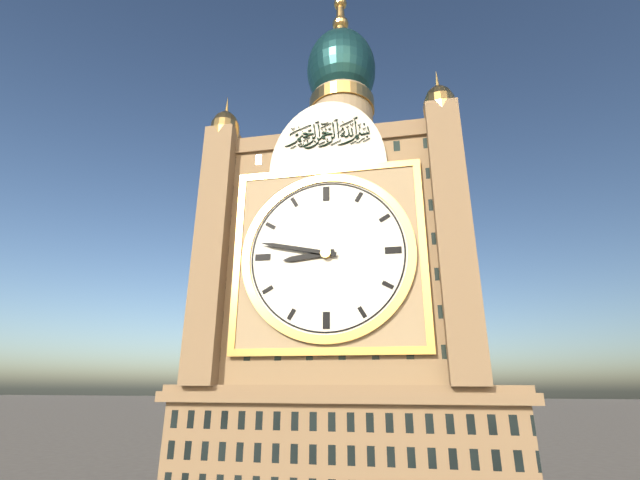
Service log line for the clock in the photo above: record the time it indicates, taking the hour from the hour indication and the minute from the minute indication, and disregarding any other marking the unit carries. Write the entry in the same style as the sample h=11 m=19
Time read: h=8 m=47
